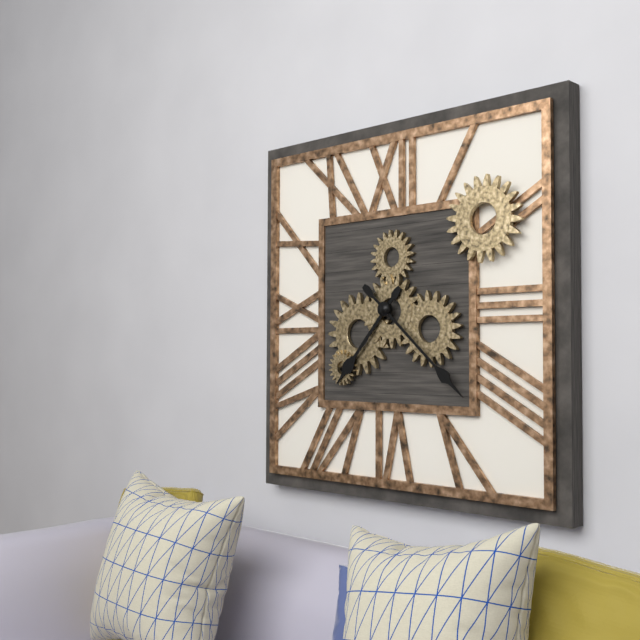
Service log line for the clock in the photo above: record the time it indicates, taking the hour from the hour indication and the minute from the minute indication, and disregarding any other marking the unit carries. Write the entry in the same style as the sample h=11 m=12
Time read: h=7 m=22
